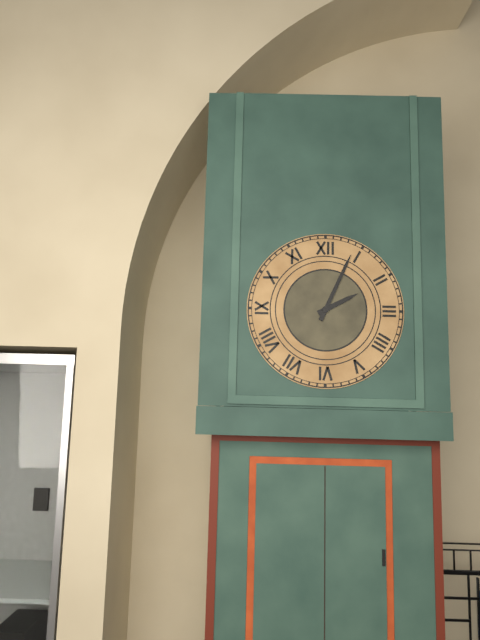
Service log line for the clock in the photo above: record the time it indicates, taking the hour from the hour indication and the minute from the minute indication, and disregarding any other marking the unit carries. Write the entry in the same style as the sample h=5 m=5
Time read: h=2 m=4
